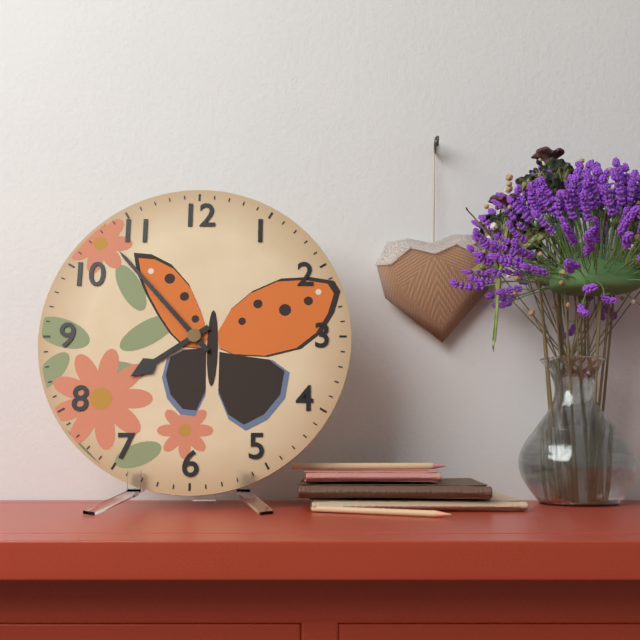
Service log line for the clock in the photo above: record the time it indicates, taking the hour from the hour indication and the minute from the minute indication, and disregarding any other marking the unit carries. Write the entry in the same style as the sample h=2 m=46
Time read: h=7 m=53
